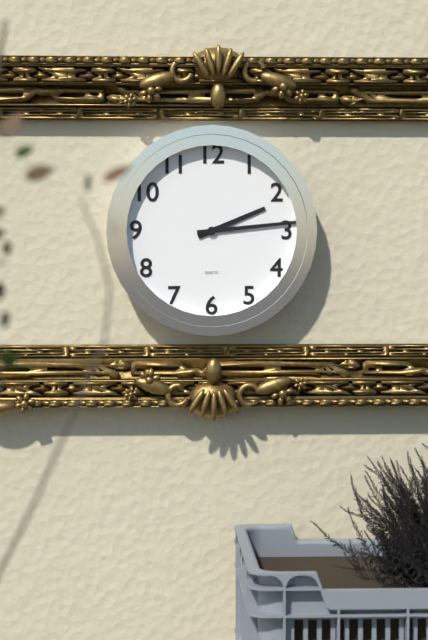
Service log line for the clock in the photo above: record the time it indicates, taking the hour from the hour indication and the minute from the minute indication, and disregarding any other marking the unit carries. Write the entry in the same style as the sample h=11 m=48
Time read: h=2 m=14
